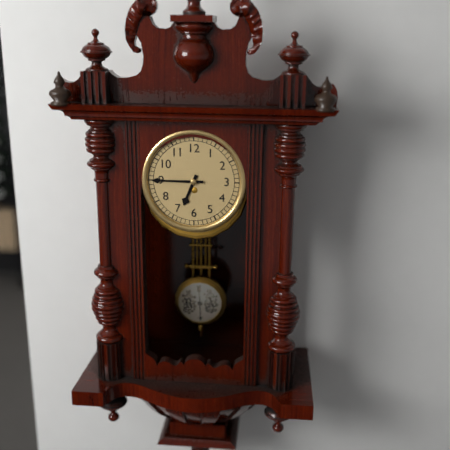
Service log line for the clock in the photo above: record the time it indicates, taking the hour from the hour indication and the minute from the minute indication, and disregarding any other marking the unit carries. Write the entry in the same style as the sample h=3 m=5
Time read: h=6 m=45
